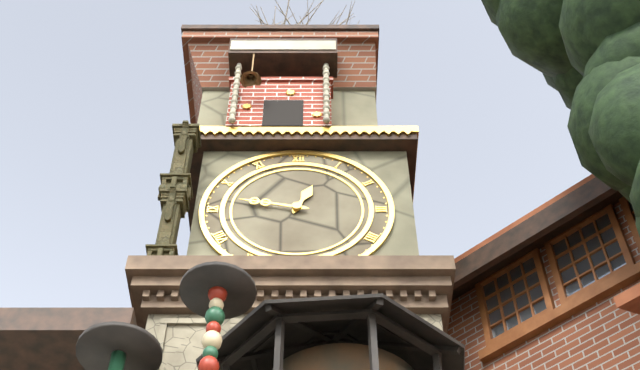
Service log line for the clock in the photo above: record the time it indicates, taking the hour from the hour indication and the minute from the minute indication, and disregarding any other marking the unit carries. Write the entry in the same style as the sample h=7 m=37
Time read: h=12 m=47
